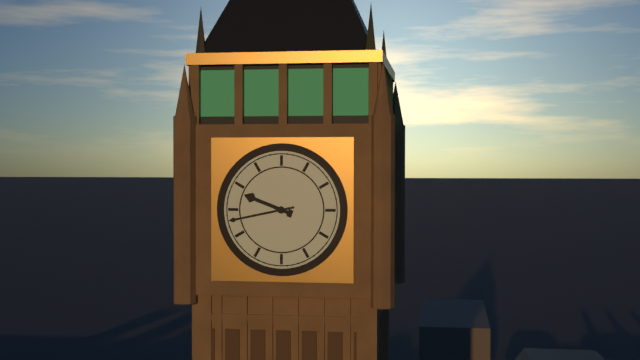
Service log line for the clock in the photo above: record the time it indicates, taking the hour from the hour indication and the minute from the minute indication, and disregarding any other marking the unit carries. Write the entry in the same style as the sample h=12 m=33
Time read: h=9 m=43
